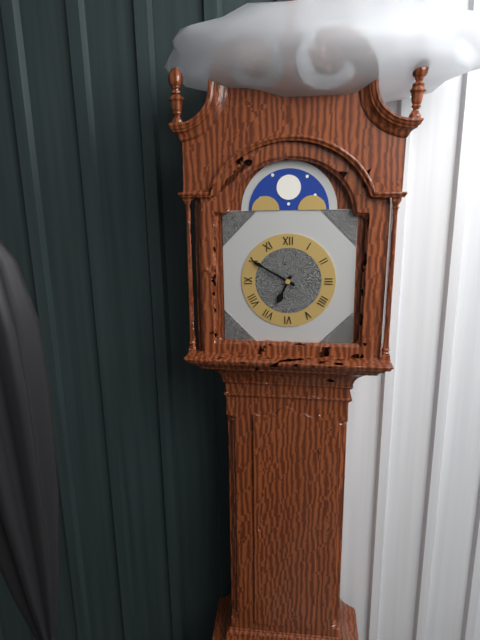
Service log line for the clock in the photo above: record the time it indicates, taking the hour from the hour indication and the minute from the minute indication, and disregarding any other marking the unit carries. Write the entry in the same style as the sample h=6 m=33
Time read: h=6 m=50
